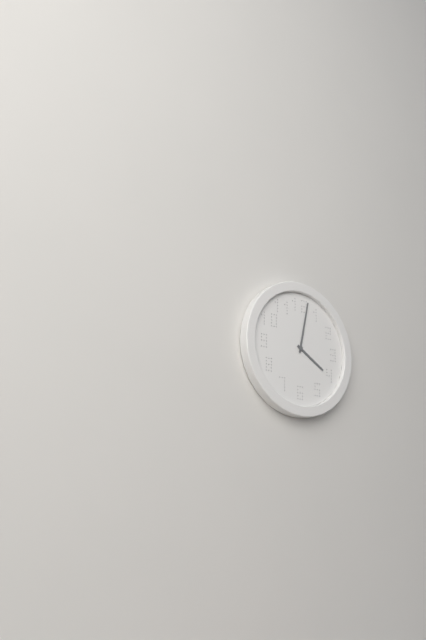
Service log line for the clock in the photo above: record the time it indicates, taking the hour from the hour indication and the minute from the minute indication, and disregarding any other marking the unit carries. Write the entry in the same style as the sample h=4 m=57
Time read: h=4 m=2
